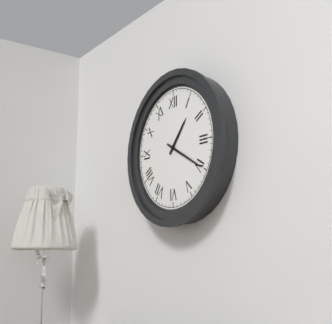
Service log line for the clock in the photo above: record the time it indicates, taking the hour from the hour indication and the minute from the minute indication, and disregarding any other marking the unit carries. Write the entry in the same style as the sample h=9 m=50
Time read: h=1 m=20
